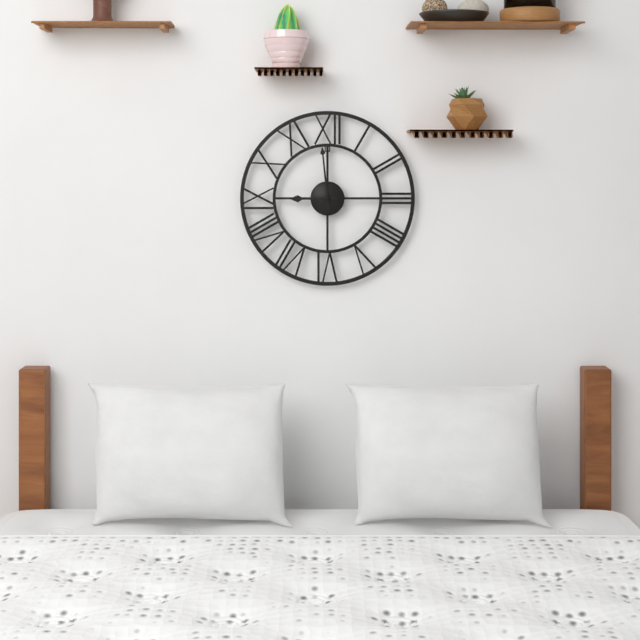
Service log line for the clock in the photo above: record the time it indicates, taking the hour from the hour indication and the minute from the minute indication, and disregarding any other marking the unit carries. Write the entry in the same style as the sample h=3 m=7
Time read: h=8 m=59
